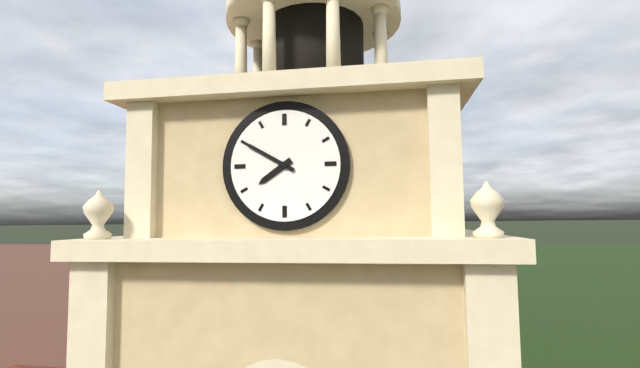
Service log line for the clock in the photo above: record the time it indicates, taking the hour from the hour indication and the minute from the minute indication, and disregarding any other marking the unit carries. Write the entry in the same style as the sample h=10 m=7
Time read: h=7 m=50
